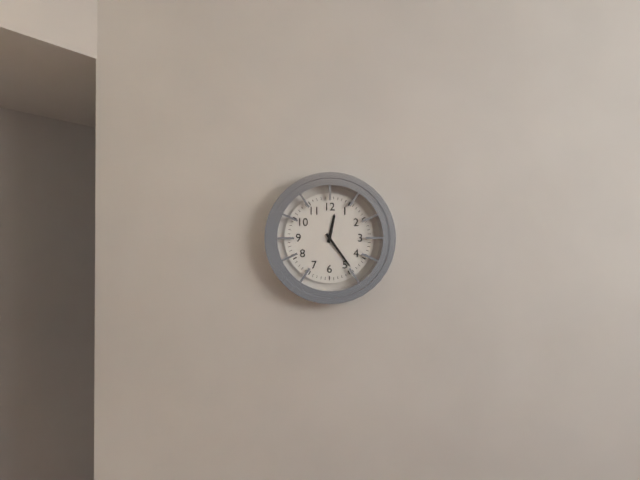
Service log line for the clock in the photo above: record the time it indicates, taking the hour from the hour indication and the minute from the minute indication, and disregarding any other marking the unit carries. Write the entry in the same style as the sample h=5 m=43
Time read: h=12 m=24
